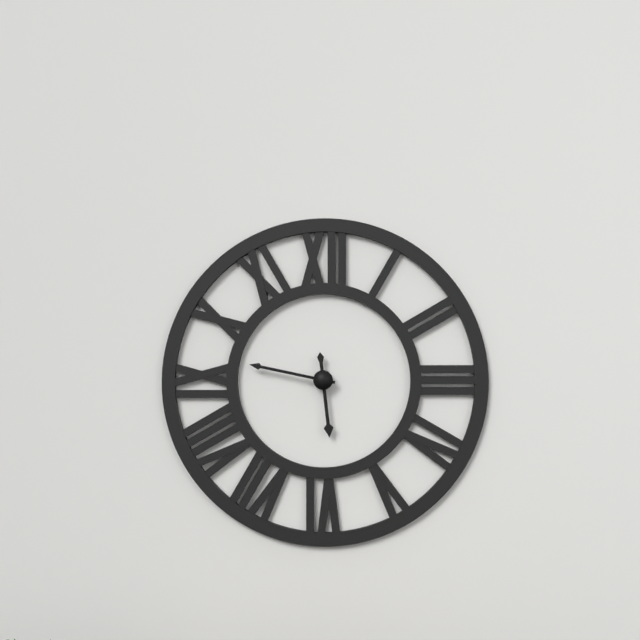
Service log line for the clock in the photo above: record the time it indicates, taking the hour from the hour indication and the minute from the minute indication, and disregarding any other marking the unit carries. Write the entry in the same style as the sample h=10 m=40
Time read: h=5 m=47
